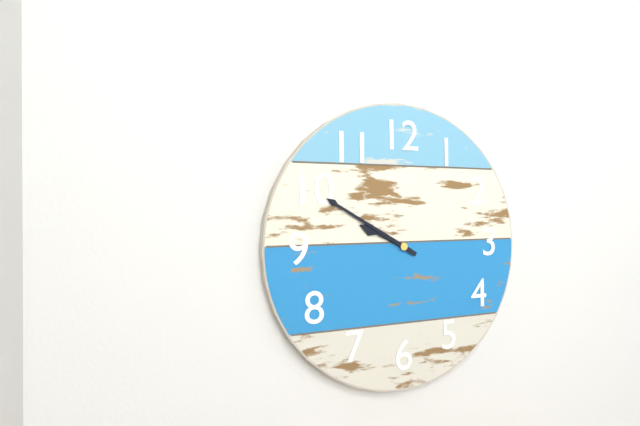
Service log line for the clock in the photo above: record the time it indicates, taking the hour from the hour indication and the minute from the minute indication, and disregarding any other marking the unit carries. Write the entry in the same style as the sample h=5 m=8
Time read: h=9 m=50
